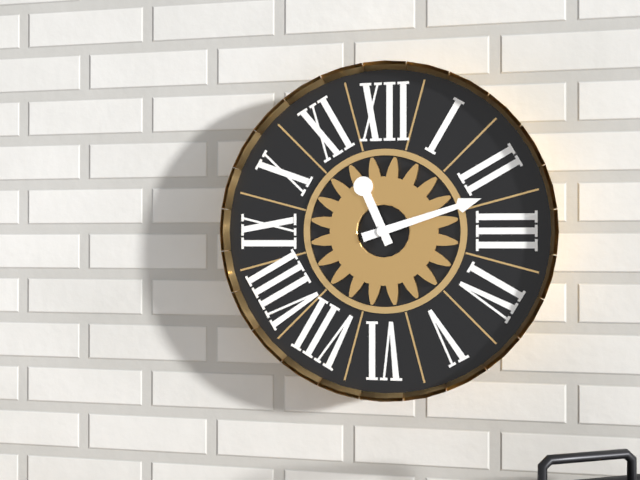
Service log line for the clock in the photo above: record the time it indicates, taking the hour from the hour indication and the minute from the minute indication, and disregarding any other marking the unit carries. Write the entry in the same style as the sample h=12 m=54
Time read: h=11 m=12
